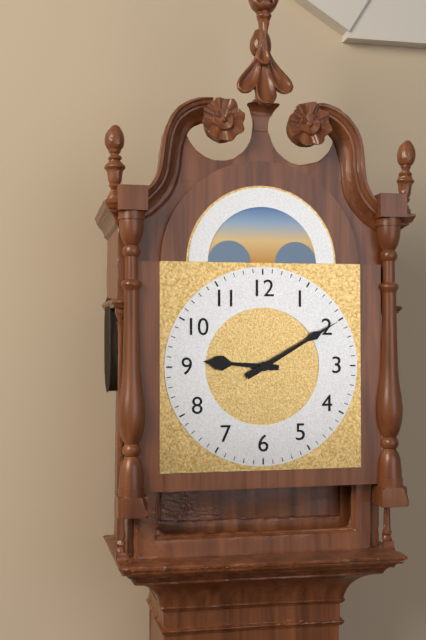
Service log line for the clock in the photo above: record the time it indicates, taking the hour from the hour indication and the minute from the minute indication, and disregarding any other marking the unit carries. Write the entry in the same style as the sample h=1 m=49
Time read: h=9 m=10
